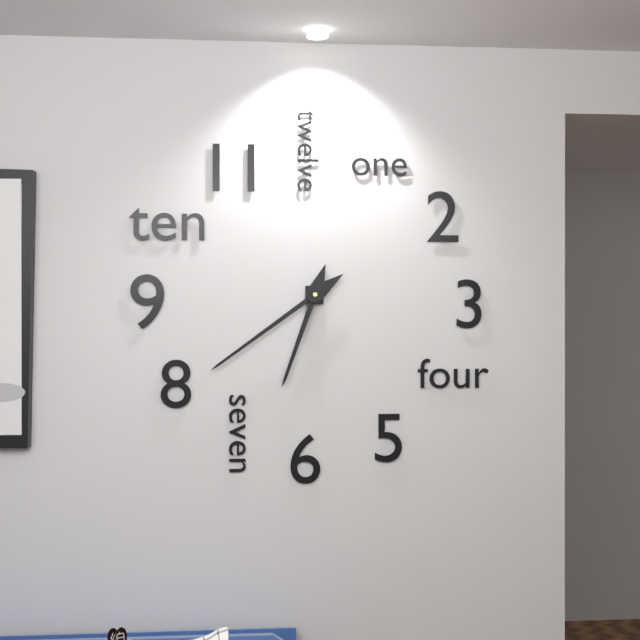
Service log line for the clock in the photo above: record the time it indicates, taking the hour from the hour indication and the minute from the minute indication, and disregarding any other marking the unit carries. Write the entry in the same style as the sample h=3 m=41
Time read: h=6 m=39
